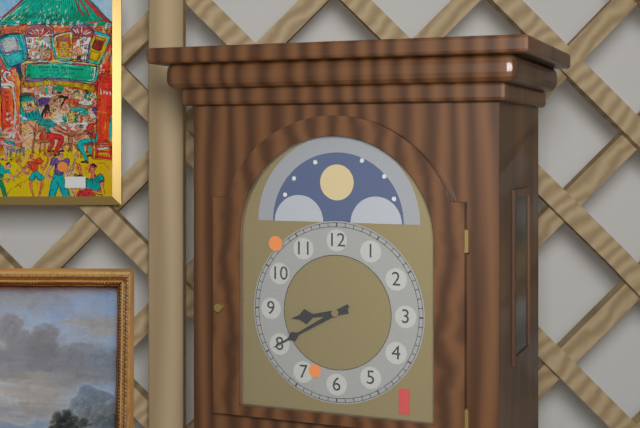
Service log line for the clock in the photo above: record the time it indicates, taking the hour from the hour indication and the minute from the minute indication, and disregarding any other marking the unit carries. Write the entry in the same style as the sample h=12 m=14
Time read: h=8 m=40
